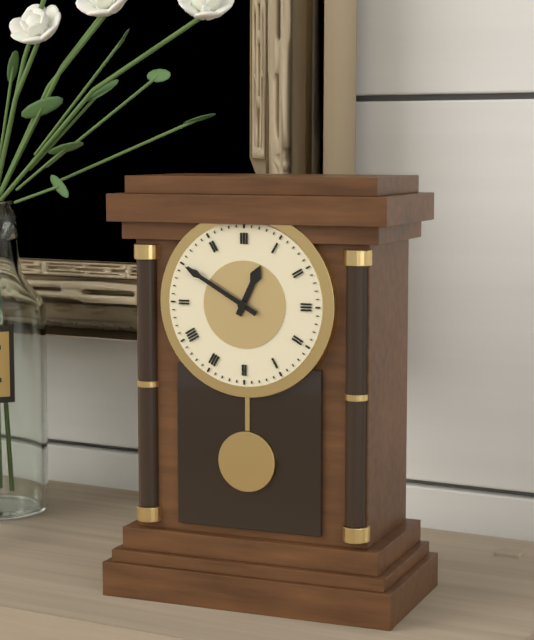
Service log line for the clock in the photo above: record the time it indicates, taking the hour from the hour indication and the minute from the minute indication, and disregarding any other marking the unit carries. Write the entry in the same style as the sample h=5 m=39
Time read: h=12 m=50
